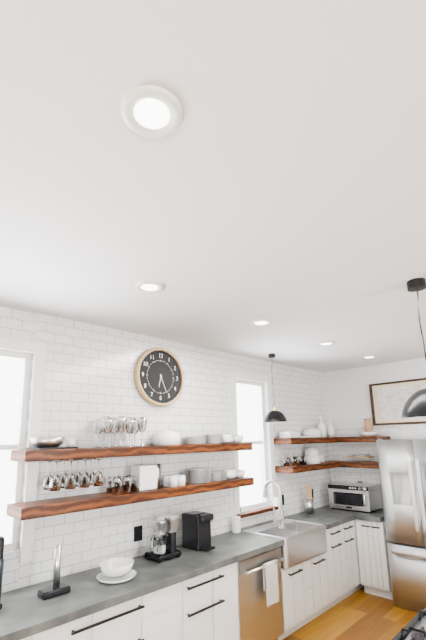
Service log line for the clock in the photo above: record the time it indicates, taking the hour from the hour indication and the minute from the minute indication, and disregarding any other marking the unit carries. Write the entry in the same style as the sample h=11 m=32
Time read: h=6 m=26
